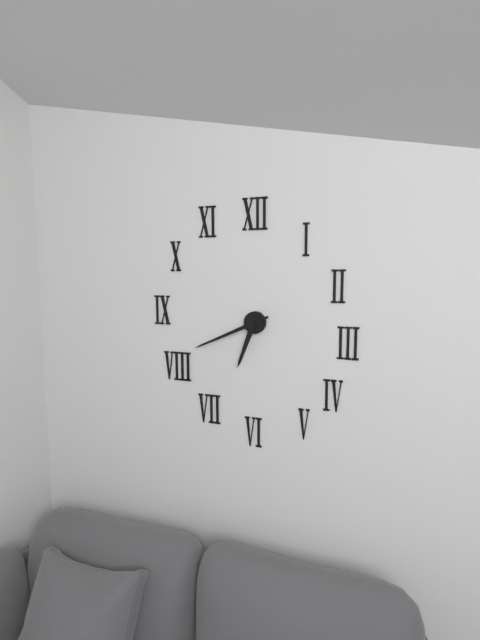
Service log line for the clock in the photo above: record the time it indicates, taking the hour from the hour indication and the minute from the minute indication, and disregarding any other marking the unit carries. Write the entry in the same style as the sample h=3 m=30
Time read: h=6 m=41
